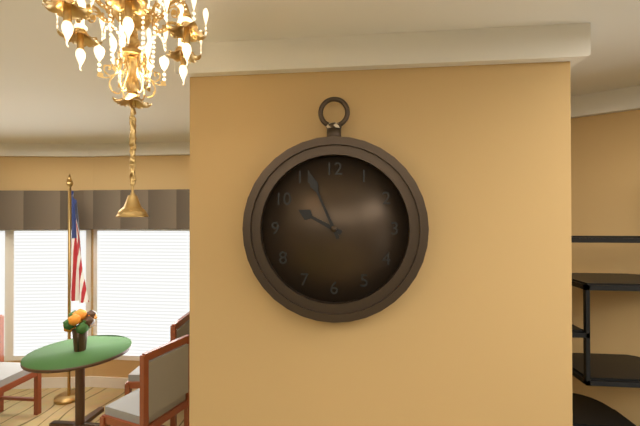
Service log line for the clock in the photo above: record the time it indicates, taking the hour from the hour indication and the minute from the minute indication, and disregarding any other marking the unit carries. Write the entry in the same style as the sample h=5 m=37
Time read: h=9 m=56
